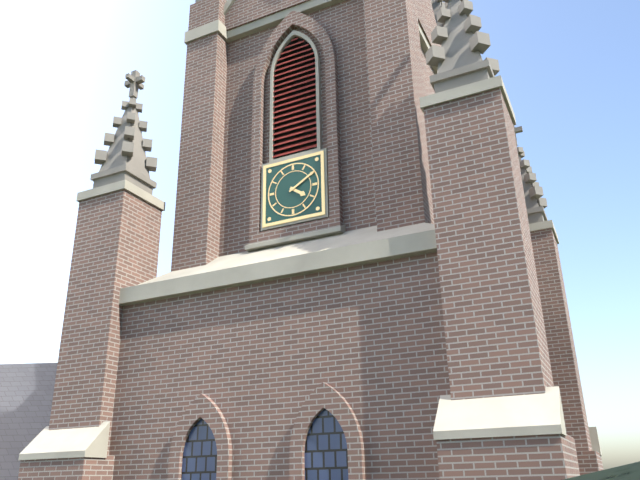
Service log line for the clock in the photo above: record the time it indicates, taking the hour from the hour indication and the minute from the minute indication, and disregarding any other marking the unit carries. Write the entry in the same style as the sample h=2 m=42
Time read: h=4 m=10
